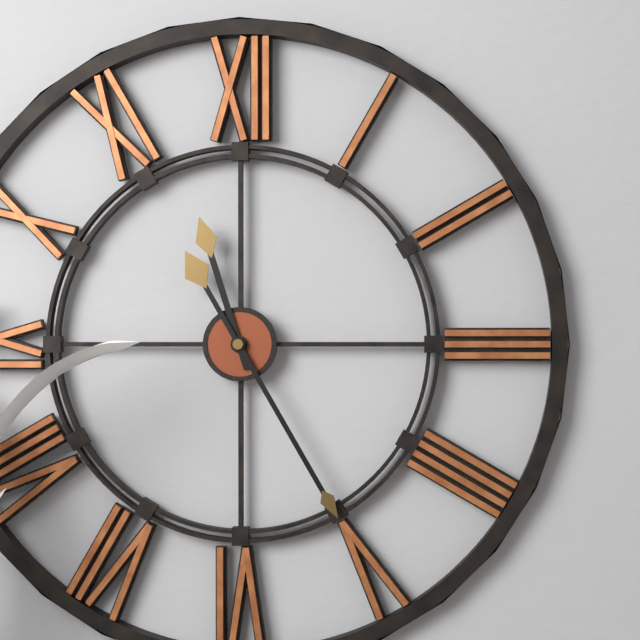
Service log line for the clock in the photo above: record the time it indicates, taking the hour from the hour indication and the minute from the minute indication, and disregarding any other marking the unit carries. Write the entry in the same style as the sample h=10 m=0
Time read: h=11 m=25
